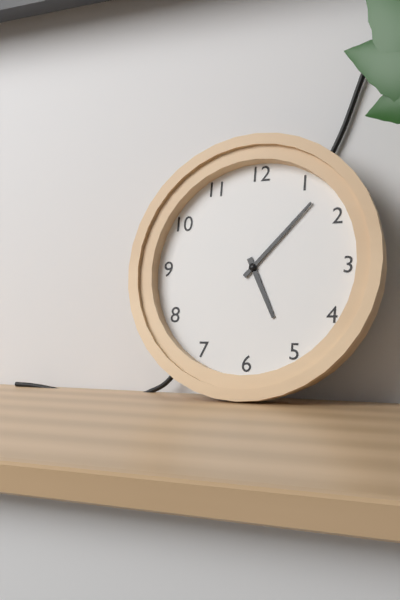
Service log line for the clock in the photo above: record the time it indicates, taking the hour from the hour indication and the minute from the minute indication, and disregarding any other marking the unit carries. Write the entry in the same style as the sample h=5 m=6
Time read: h=5 m=7
